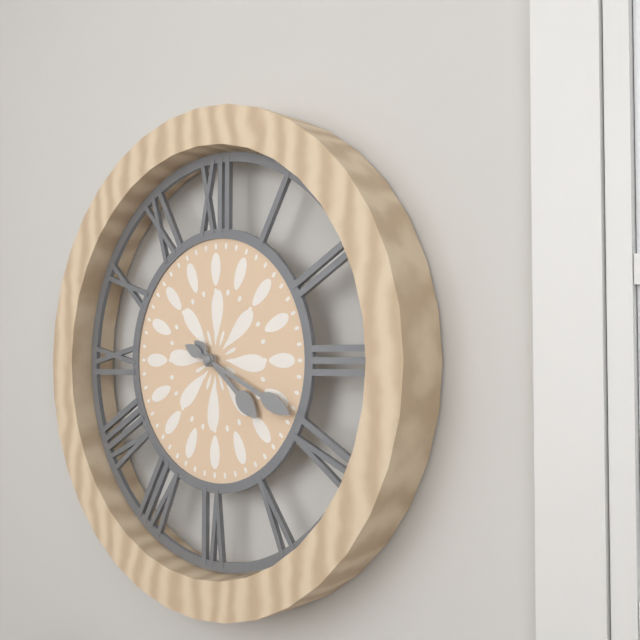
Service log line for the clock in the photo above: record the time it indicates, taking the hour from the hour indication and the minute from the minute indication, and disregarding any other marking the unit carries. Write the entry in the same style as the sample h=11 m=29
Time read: h=4 m=19
